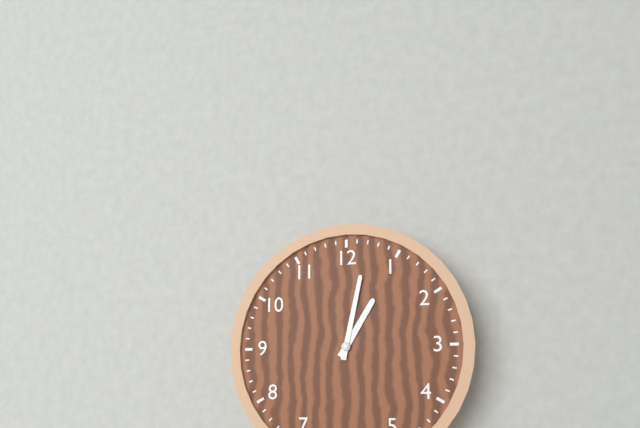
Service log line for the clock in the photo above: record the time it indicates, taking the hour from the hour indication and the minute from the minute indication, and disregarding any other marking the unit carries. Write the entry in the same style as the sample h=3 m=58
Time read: h=1 m=2
